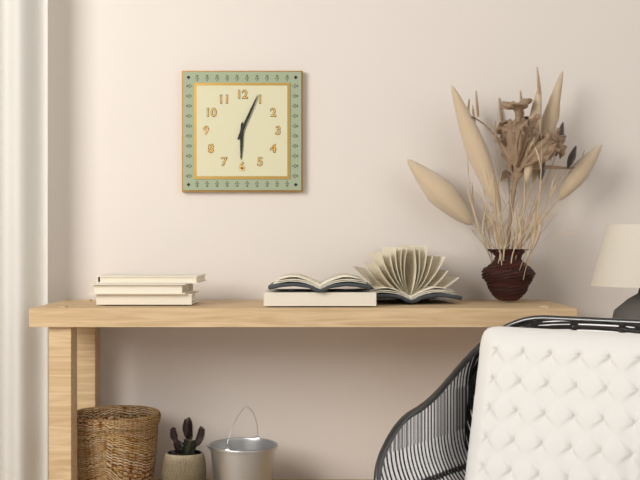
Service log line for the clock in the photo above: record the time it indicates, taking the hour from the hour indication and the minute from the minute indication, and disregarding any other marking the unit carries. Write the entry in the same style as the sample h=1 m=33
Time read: h=6 m=4
